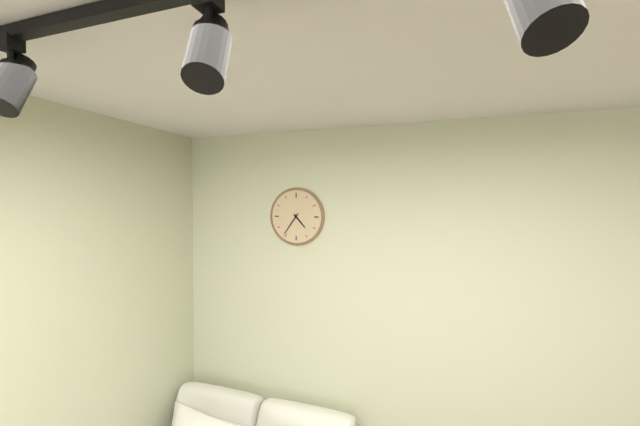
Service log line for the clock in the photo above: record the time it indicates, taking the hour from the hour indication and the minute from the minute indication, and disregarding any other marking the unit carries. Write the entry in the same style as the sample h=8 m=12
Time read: h=4 m=36
